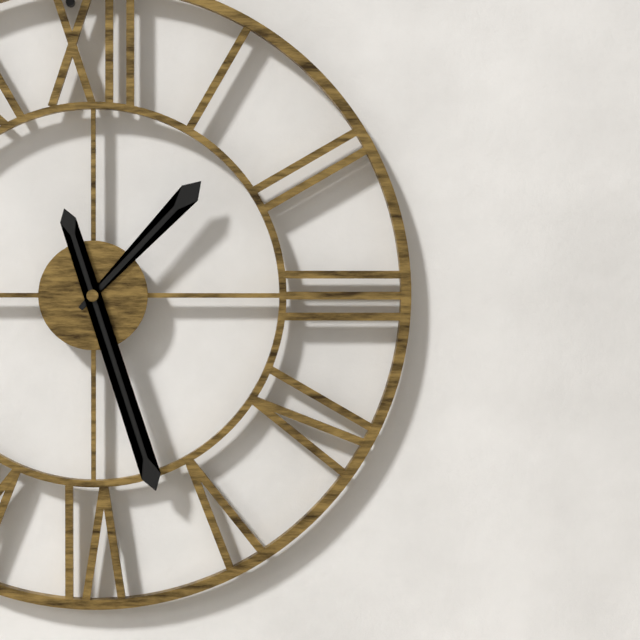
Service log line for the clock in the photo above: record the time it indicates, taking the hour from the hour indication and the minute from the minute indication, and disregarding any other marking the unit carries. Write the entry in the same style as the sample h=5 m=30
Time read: h=1 m=27
